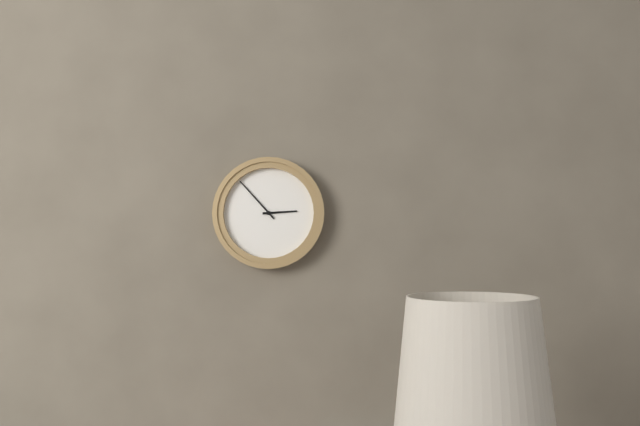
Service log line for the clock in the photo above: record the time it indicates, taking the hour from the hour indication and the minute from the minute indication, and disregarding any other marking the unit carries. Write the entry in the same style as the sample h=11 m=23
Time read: h=2 m=53
